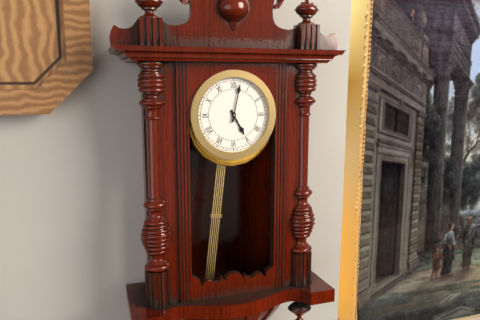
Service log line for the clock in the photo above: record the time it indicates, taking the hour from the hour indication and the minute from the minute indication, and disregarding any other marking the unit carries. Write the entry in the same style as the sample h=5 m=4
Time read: h=5 m=2
